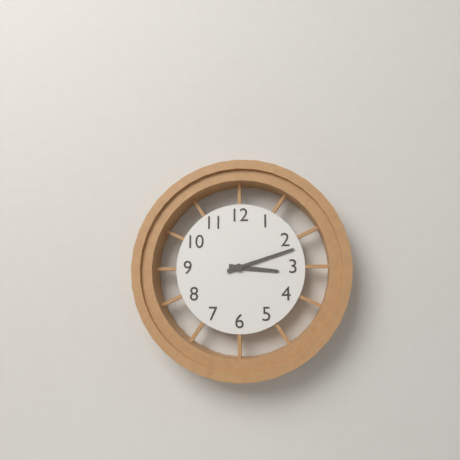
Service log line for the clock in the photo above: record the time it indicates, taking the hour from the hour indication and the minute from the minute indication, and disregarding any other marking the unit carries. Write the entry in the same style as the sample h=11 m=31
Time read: h=3 m=12
